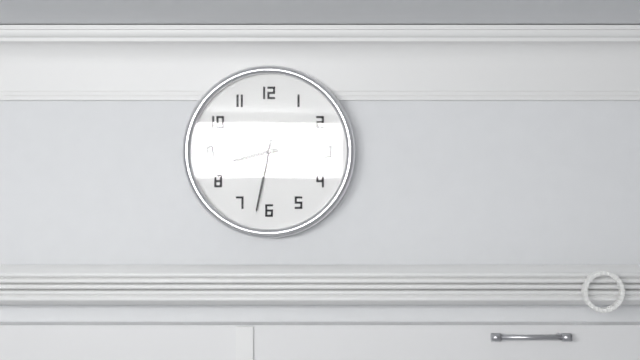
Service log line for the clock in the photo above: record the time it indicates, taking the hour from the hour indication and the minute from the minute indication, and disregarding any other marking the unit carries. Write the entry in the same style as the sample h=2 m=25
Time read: h=8 m=32
